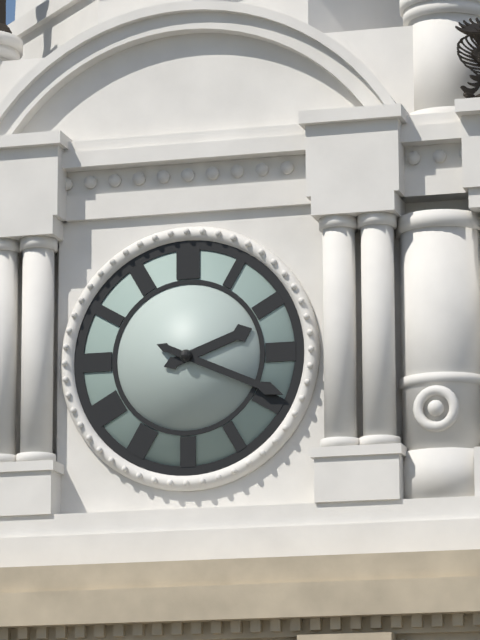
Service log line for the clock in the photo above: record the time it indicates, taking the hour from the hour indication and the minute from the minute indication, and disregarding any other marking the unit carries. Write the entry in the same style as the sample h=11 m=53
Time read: h=2 m=19
